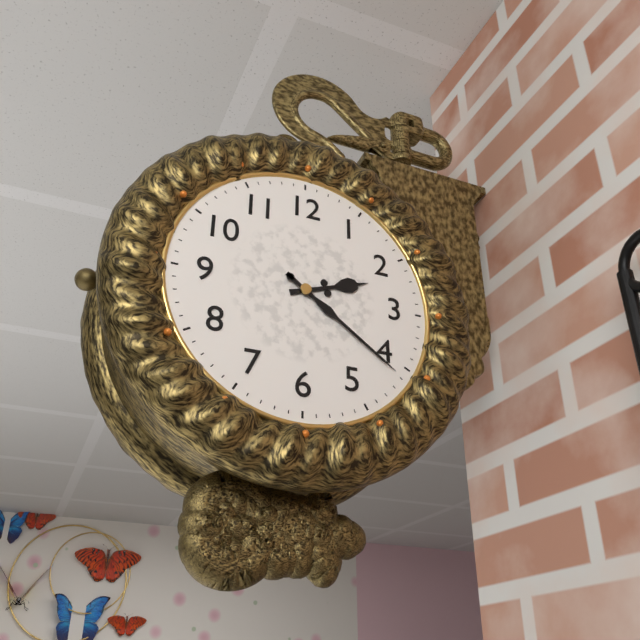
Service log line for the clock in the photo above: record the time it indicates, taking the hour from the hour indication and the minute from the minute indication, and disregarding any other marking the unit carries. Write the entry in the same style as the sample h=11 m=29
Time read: h=2 m=21
